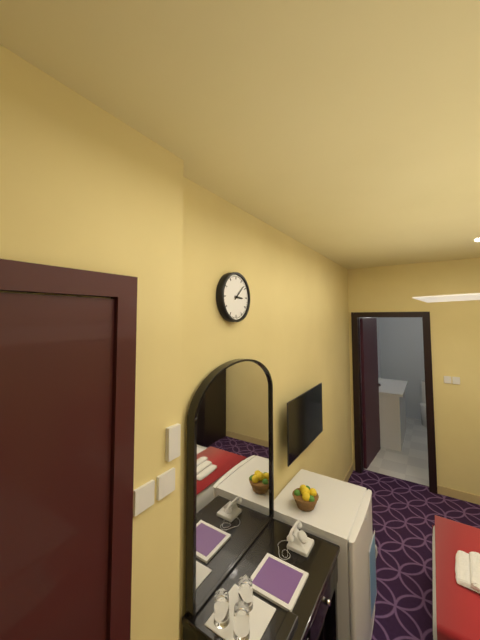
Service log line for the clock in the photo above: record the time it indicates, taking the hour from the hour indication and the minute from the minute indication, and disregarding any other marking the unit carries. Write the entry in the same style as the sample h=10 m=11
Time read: h=3 m=8
